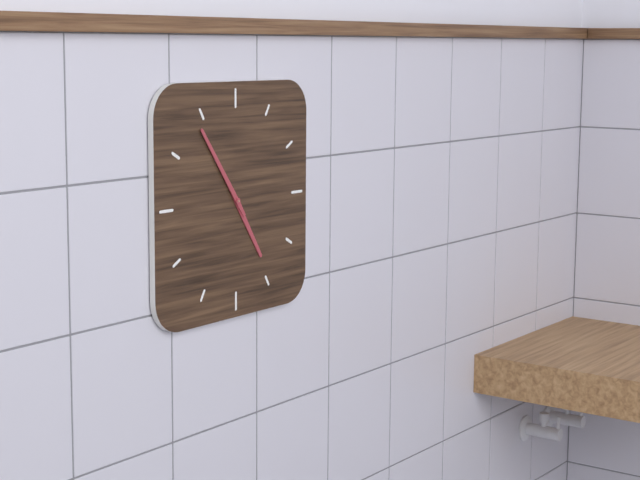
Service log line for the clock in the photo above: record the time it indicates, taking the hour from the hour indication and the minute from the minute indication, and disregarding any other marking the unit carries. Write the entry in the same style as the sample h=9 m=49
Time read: h=4 m=54
